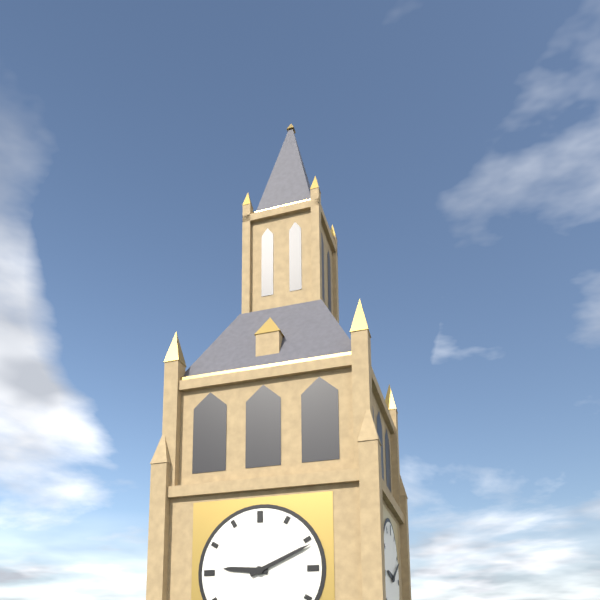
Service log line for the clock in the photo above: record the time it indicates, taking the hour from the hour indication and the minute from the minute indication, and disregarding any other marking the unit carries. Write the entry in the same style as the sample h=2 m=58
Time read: h=9 m=11
